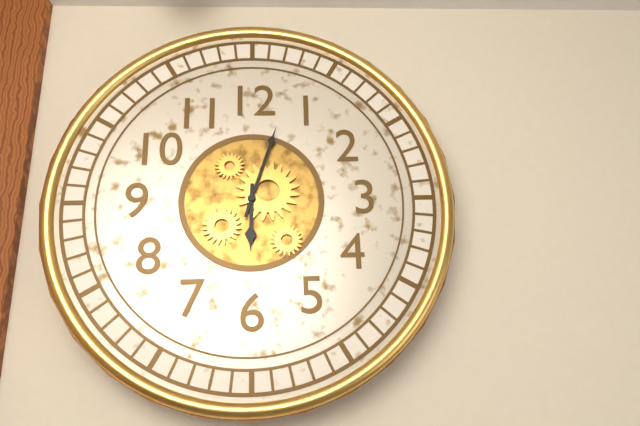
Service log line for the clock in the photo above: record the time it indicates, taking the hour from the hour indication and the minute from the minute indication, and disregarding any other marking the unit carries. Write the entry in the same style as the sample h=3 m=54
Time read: h=6 m=3
